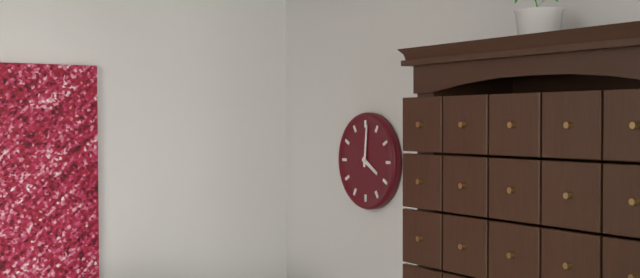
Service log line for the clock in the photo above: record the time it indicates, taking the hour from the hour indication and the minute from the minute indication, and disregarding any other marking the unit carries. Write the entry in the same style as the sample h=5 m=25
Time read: h=4 m=1
